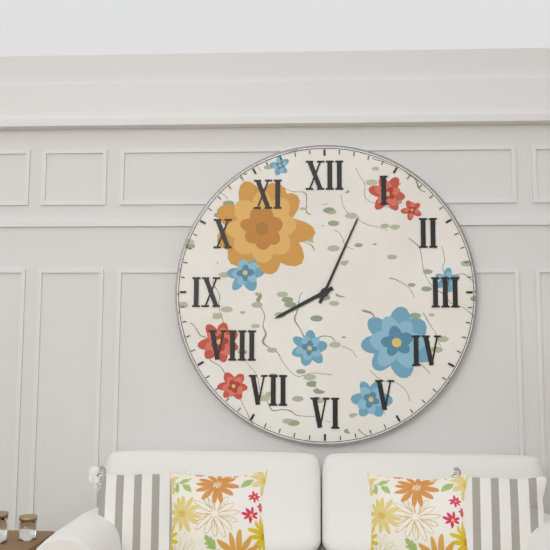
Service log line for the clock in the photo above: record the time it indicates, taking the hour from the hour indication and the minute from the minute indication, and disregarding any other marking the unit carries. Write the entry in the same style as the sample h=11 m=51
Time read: h=8 m=4
